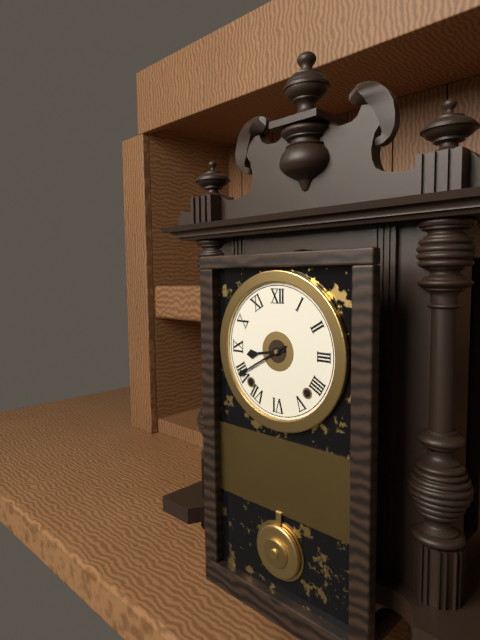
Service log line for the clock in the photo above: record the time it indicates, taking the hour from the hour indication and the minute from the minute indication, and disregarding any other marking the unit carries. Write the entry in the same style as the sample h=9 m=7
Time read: h=8 m=40
